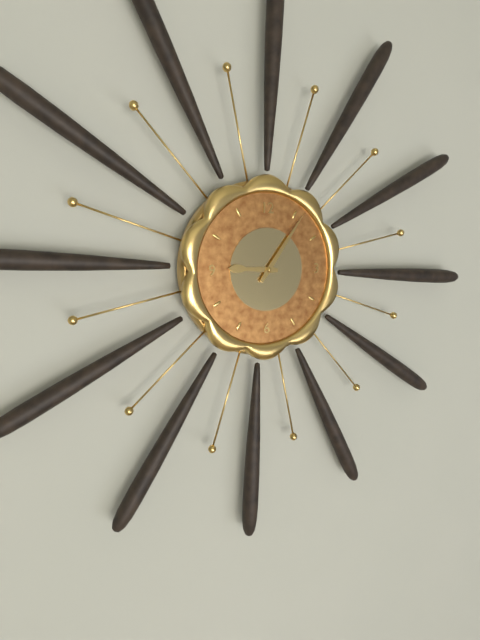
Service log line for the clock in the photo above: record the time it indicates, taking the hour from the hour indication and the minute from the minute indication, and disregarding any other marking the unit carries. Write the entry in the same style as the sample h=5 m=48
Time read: h=9 m=6
